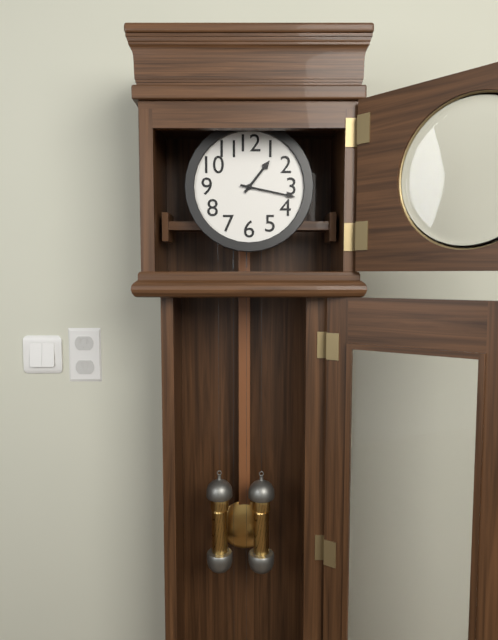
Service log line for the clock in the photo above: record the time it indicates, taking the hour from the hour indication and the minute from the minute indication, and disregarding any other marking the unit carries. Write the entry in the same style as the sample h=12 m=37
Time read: h=1 m=17
